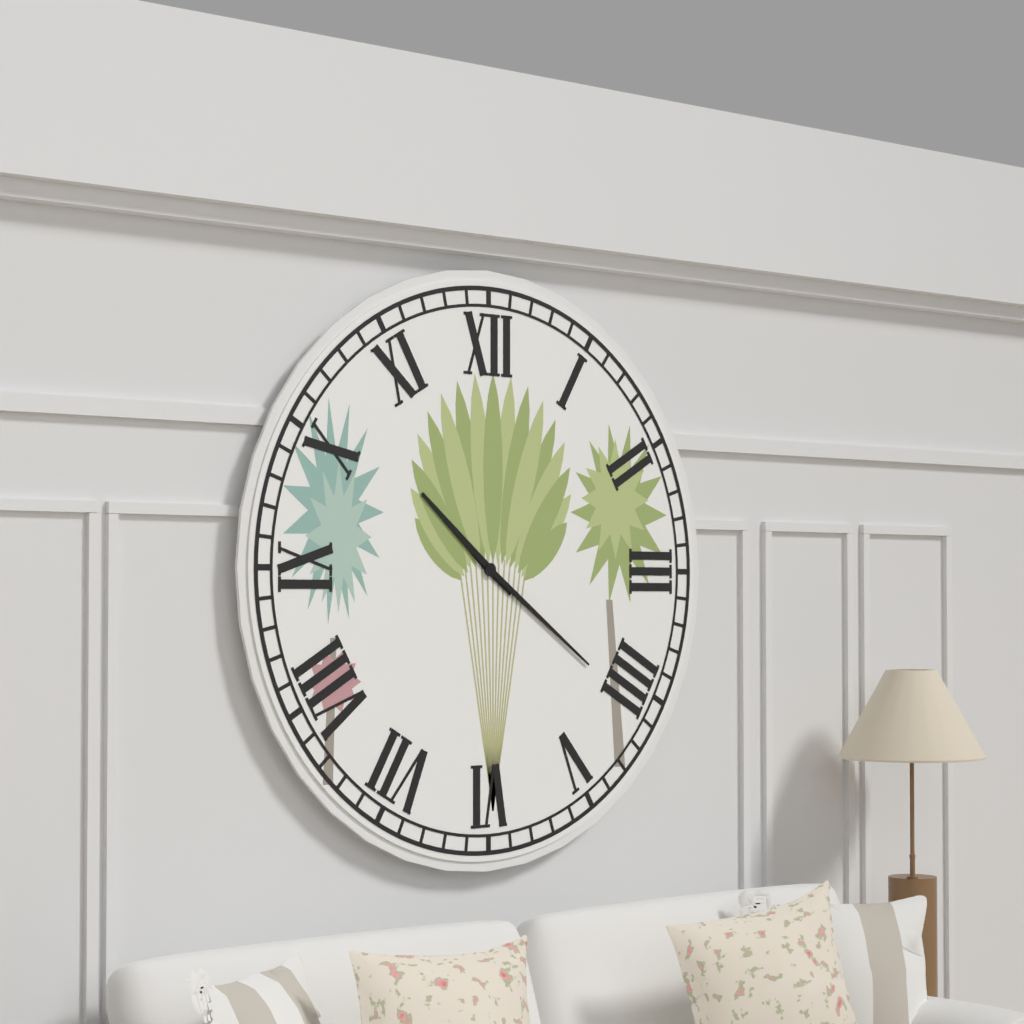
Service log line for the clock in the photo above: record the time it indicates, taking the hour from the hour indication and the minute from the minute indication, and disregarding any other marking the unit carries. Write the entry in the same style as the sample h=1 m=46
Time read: h=10 m=21
